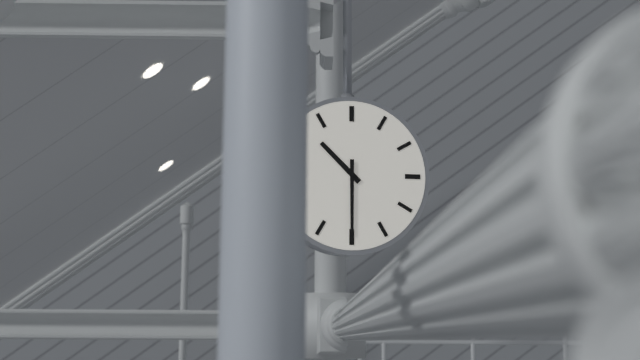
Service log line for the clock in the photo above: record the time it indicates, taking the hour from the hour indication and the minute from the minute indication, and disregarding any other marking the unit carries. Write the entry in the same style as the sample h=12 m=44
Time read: h=10 m=30
